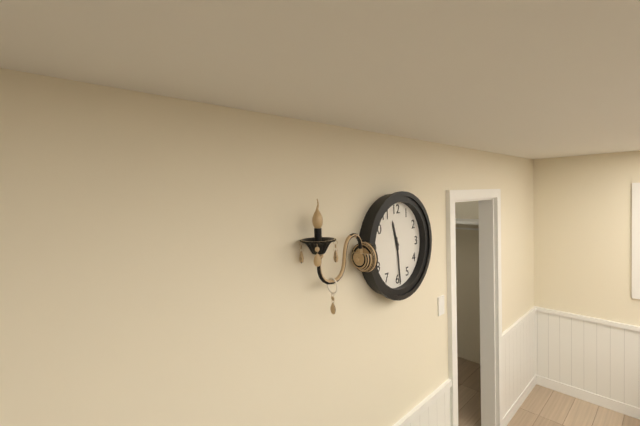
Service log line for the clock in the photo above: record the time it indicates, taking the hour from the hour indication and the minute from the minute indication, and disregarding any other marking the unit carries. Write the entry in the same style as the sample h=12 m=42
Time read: h=11 m=29
